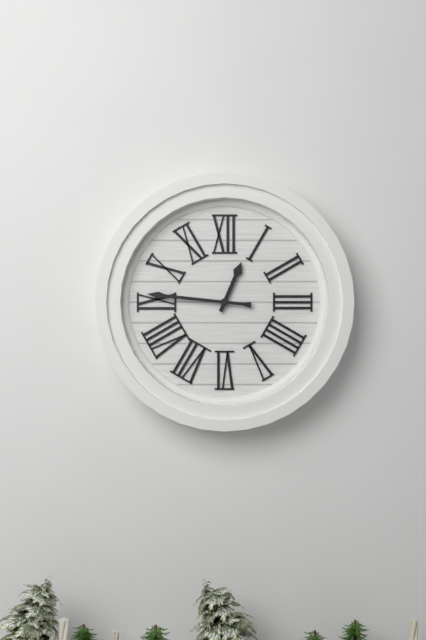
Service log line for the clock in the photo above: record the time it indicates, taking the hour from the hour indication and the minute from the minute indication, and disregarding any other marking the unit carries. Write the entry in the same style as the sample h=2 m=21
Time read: h=12 m=46
